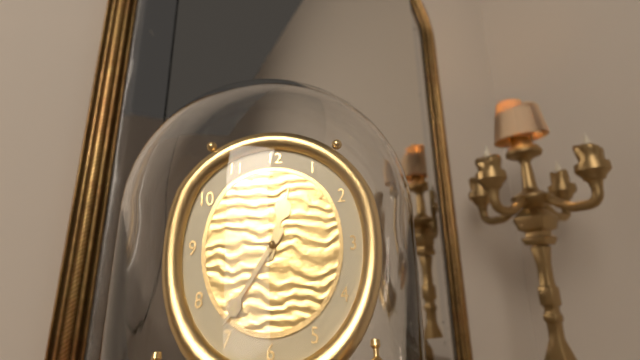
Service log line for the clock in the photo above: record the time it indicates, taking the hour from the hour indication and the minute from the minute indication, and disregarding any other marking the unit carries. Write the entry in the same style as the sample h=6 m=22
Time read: h=12 m=36
